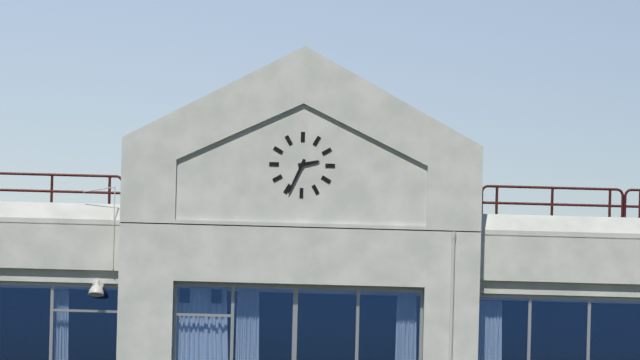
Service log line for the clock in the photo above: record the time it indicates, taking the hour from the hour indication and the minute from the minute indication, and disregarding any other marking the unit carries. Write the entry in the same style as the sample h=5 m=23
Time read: h=2 m=34
